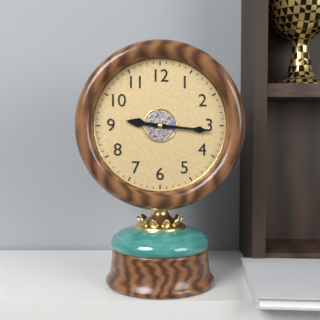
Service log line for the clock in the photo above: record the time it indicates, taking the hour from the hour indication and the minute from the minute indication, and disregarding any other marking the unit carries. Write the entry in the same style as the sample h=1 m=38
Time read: h=9 m=16
